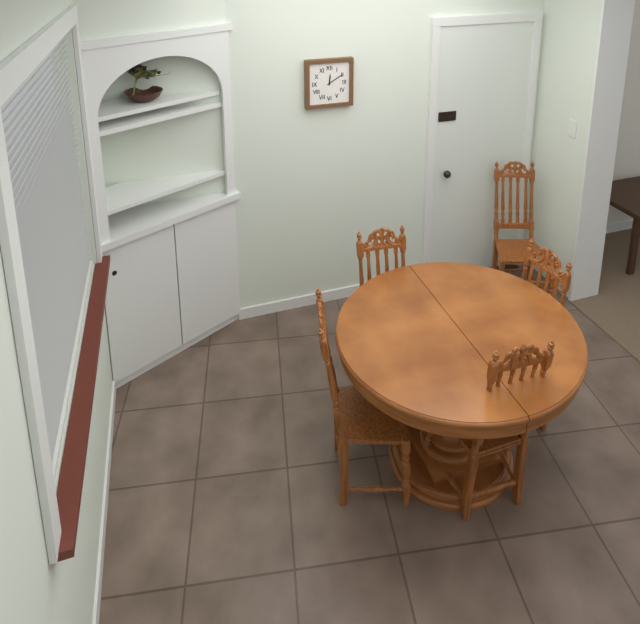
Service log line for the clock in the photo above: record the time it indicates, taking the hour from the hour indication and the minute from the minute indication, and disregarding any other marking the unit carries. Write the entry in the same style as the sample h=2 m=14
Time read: h=12 m=10
